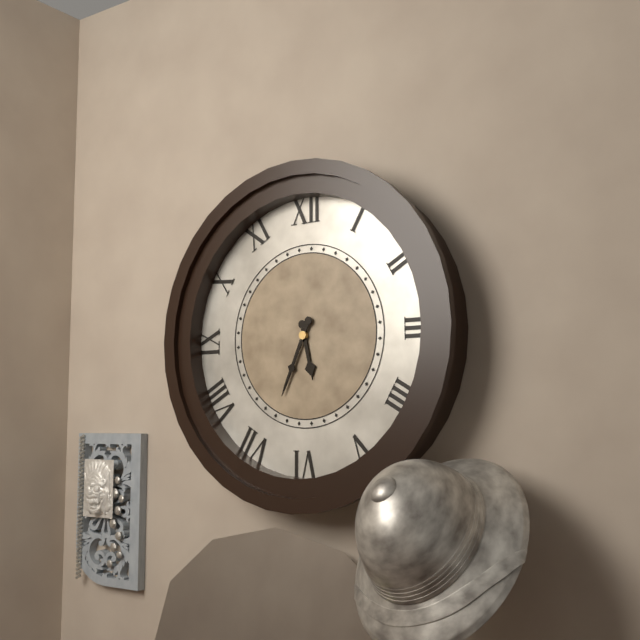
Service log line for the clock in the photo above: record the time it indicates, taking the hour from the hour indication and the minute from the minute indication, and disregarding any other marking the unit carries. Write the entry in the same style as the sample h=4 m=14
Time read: h=5 m=34
